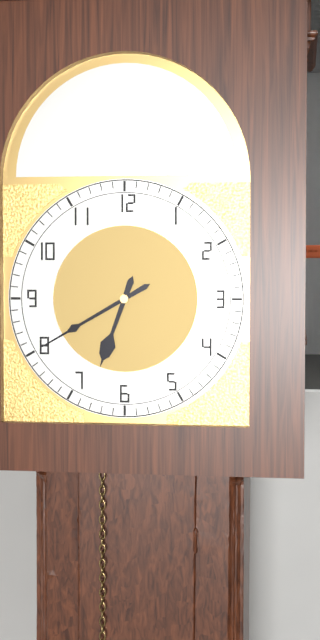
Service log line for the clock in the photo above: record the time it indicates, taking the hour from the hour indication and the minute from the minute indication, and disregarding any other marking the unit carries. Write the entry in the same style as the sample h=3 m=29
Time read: h=6 m=40
